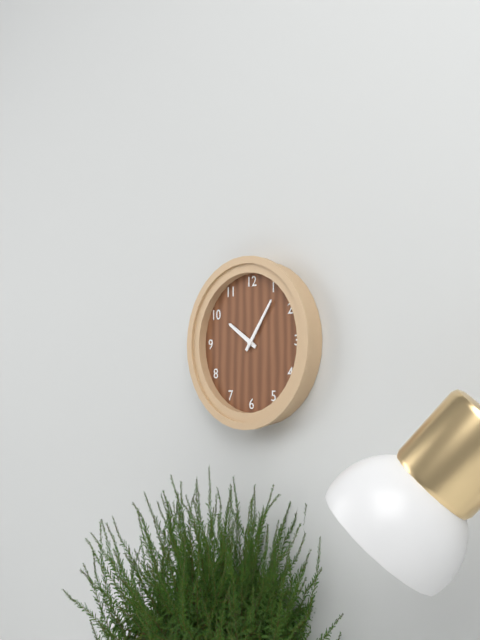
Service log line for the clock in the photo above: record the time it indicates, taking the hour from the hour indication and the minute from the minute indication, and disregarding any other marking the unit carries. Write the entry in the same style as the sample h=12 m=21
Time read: h=10 m=6
